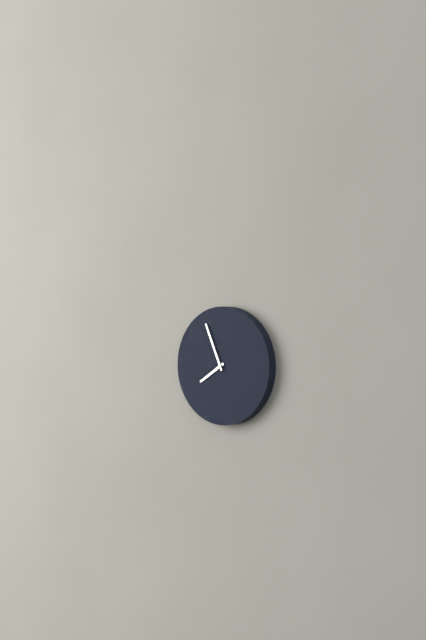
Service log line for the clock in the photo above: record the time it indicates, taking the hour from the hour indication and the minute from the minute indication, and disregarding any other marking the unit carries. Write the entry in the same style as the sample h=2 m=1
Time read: h=7 m=56
